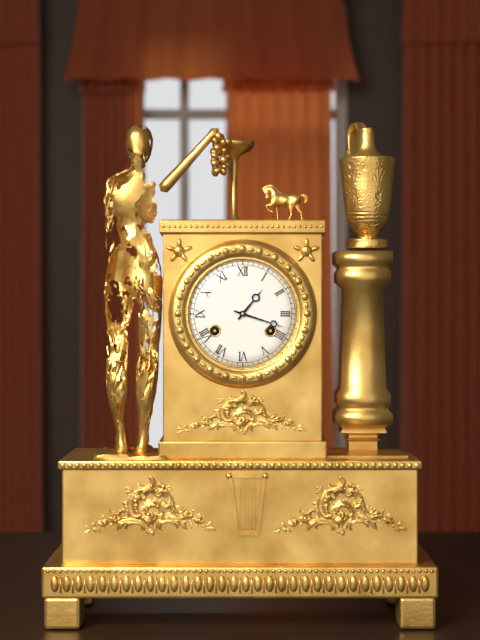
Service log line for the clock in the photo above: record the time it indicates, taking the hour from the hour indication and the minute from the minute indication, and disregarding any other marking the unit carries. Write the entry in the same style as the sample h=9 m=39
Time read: h=1 m=18
